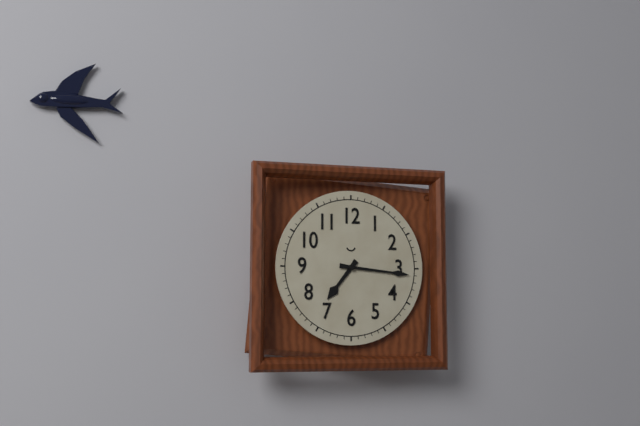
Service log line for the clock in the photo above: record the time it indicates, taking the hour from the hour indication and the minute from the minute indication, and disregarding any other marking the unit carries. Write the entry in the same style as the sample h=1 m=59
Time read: h=7 m=16
